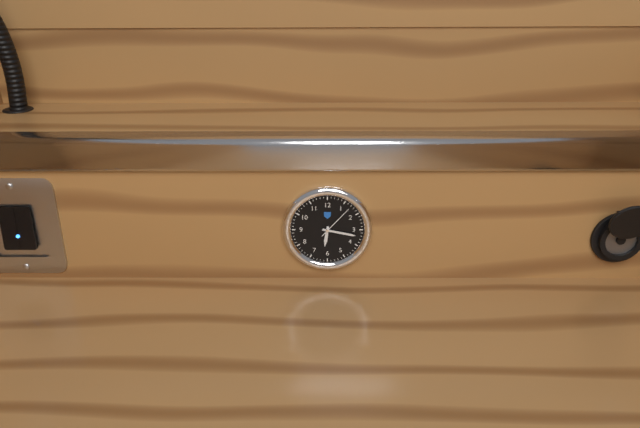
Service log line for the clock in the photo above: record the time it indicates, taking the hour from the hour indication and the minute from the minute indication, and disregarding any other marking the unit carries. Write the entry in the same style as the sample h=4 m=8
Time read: h=6 m=17
